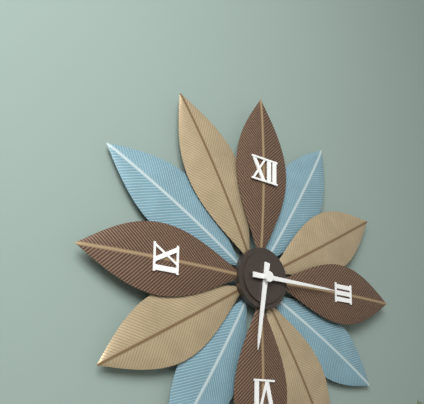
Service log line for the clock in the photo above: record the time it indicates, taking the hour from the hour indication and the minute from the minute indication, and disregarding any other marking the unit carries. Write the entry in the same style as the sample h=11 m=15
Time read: h=6 m=15
